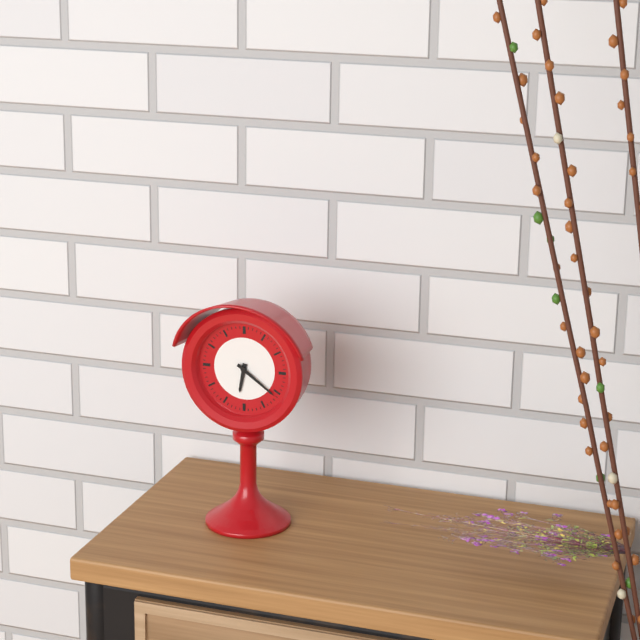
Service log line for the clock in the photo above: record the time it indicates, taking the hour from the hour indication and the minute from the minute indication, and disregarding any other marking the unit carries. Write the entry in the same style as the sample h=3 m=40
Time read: h=6 m=21
